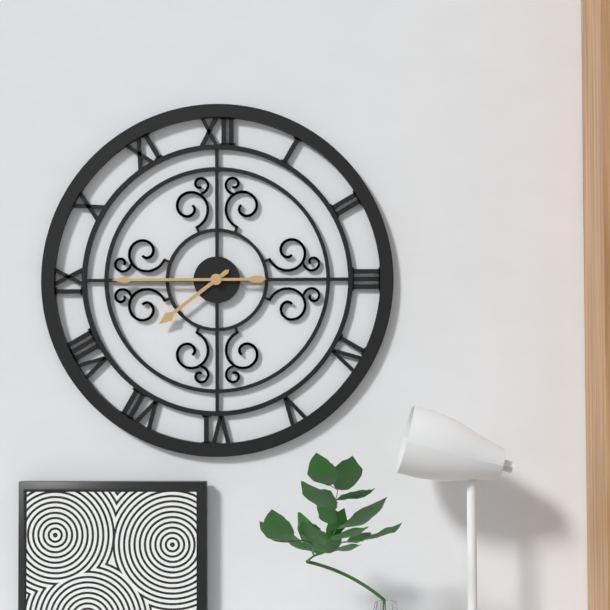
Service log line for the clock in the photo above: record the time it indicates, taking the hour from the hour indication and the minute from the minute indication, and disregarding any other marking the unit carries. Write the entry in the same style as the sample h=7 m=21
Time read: h=7 m=45
